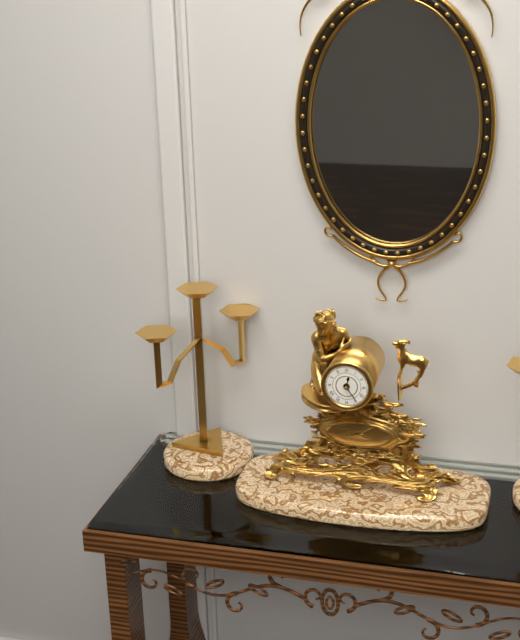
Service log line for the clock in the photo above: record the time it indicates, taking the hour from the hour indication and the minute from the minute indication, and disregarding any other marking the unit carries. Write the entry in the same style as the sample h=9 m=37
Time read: h=12 m=24
